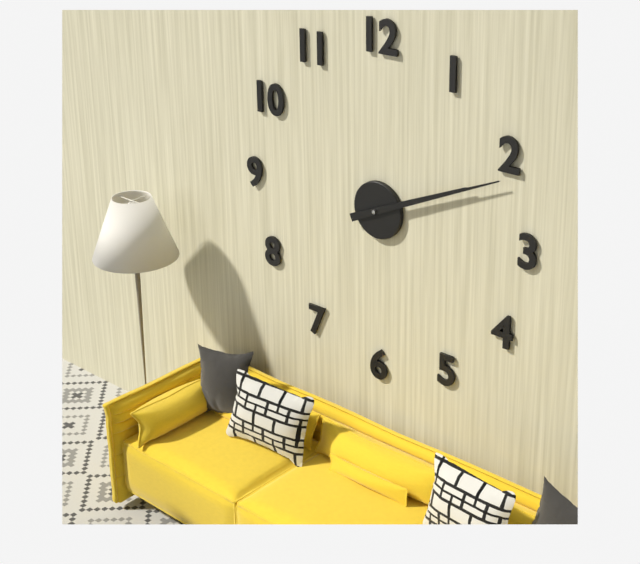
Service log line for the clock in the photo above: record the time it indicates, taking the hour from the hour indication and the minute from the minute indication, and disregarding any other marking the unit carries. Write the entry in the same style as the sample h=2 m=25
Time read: h=2 m=11
